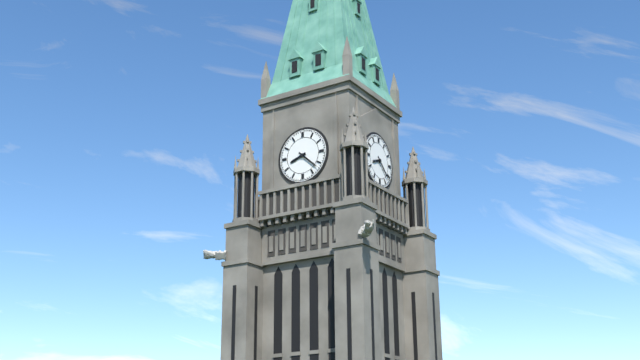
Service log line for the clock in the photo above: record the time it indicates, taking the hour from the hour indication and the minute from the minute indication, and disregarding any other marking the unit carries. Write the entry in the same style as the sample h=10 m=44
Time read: h=8 m=22
